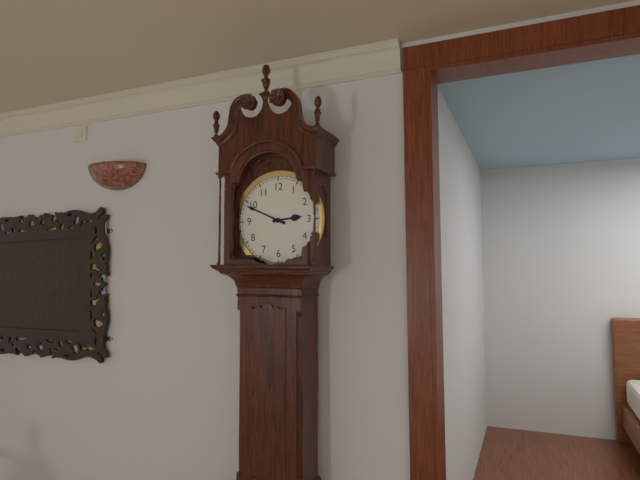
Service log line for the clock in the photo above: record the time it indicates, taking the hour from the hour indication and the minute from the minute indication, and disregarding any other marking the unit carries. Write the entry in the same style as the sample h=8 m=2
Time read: h=2 m=49
